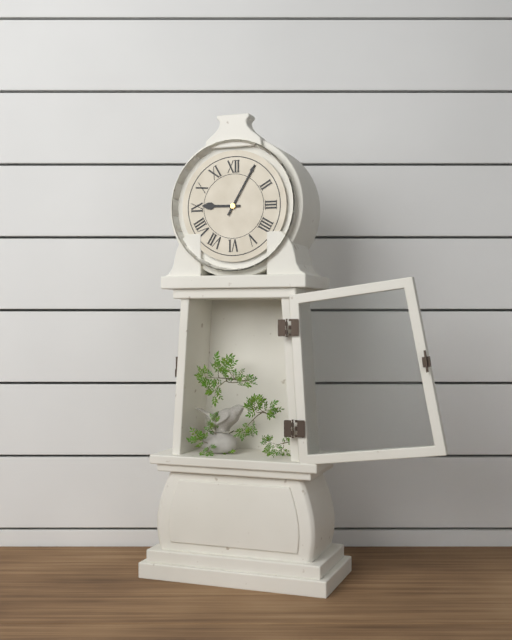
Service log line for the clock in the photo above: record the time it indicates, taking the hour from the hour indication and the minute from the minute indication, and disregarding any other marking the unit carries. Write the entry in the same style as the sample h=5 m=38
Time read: h=9 m=5
